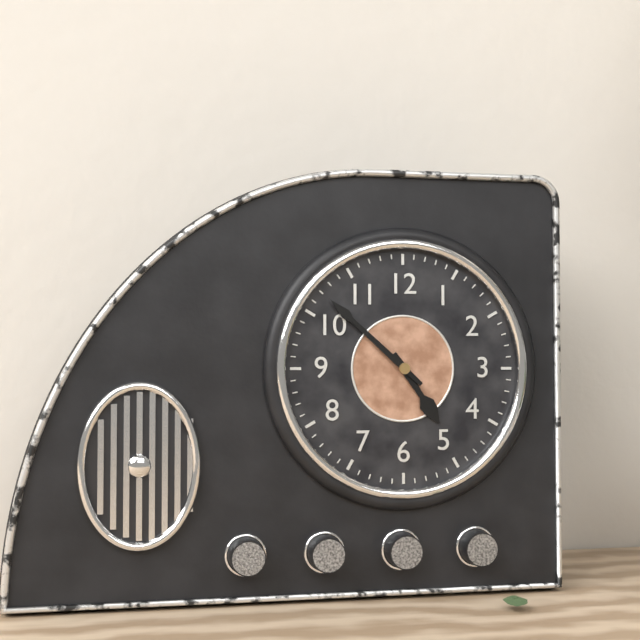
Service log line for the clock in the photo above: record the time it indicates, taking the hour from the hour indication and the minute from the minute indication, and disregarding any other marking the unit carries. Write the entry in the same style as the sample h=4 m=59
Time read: h=4 m=52
